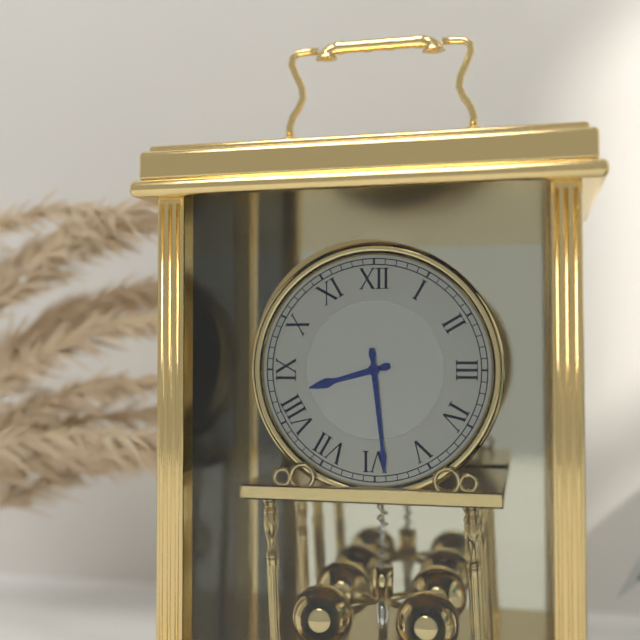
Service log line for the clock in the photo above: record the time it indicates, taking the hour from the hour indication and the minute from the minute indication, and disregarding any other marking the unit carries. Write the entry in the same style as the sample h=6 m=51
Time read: h=8 m=29
